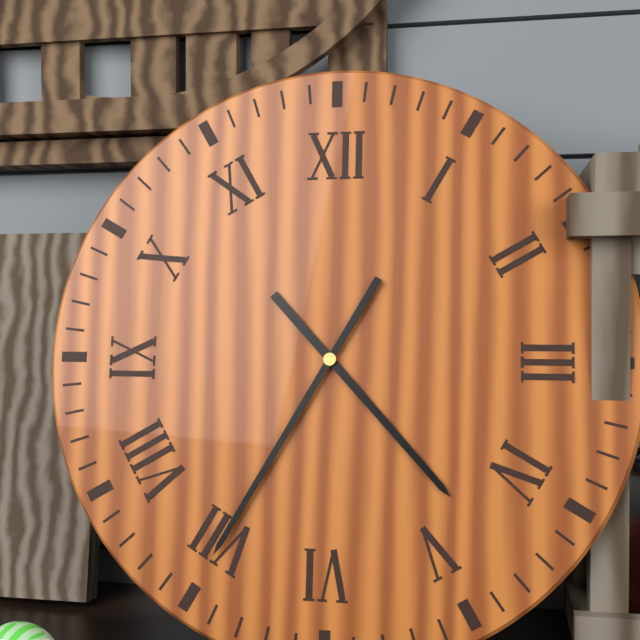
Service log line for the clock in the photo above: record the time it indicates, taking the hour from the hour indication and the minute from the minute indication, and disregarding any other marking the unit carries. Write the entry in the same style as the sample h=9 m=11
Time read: h=4 m=35
